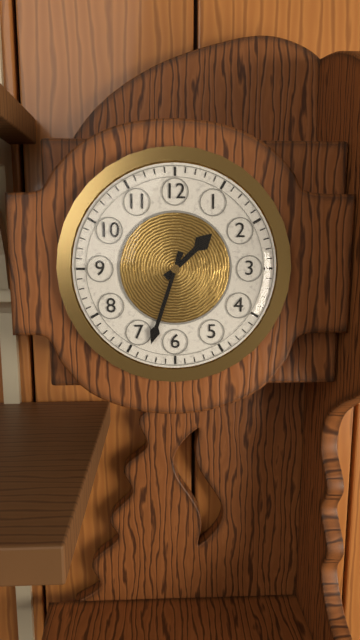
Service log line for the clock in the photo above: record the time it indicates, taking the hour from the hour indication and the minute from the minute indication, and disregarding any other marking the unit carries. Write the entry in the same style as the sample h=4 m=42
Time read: h=1 m=33
